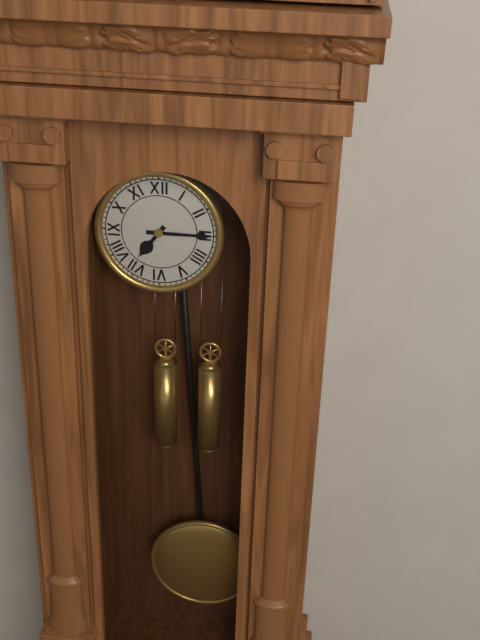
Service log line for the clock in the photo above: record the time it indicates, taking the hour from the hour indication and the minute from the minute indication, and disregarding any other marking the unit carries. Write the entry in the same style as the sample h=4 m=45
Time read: h=7 m=15
